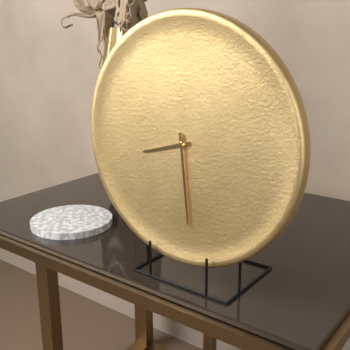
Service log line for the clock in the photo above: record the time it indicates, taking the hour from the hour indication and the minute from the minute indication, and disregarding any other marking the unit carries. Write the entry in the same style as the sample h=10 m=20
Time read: h=8 m=29
